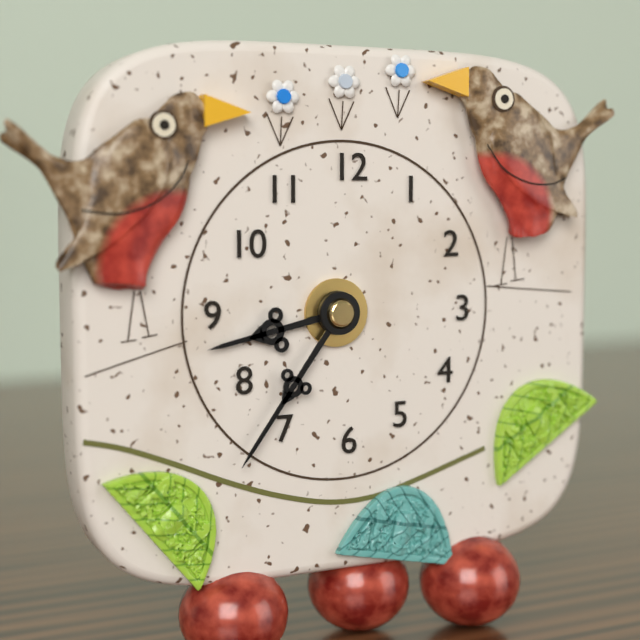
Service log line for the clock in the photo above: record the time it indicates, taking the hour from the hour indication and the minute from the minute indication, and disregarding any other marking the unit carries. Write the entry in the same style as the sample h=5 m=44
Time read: h=8 m=36
